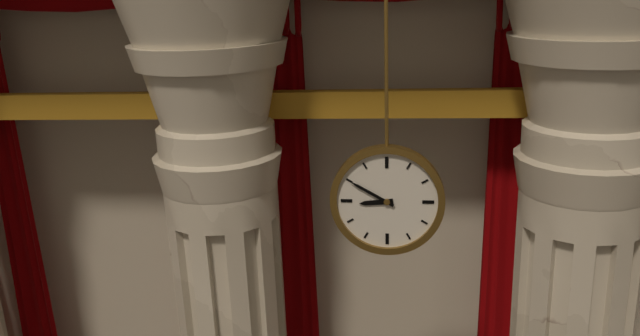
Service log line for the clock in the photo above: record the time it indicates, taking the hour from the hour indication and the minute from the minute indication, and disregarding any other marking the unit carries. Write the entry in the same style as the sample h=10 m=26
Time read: h=8 m=50
